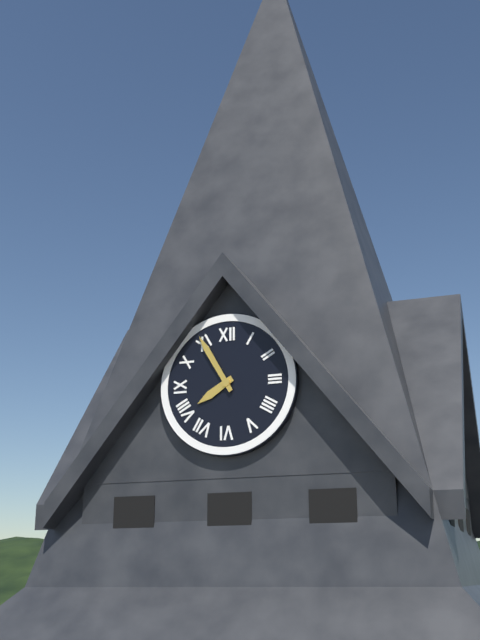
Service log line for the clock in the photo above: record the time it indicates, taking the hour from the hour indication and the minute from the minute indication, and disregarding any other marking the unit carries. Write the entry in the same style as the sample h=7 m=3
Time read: h=7 m=55
